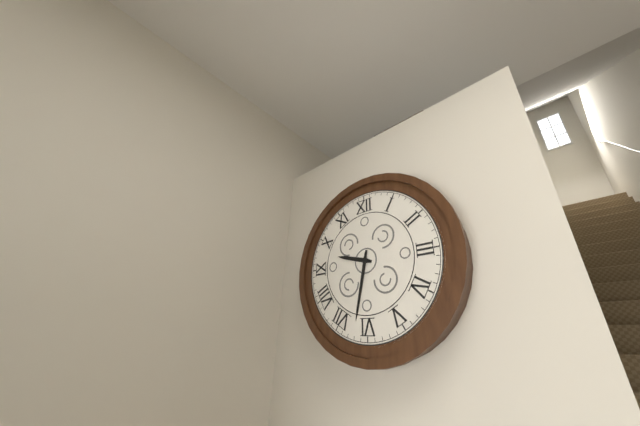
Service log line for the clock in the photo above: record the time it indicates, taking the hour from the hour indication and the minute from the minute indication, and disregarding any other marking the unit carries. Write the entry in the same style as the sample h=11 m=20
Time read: h=9 m=32
